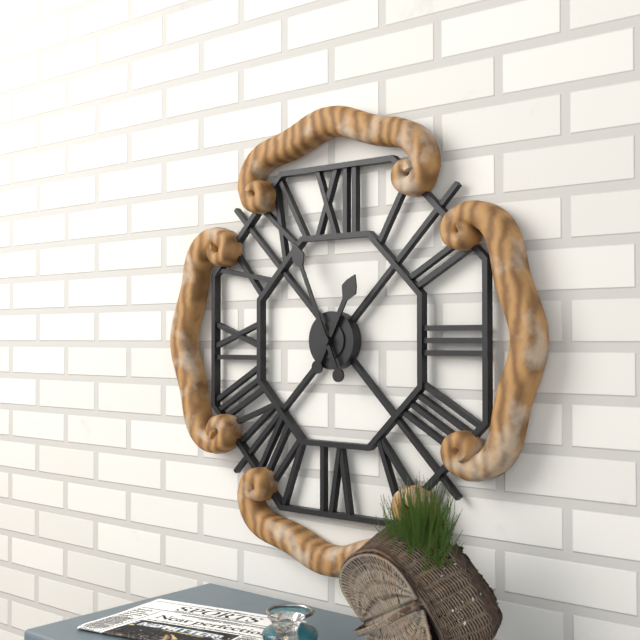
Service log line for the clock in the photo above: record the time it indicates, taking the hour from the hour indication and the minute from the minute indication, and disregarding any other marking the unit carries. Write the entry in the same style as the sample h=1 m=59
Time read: h=12 m=56
